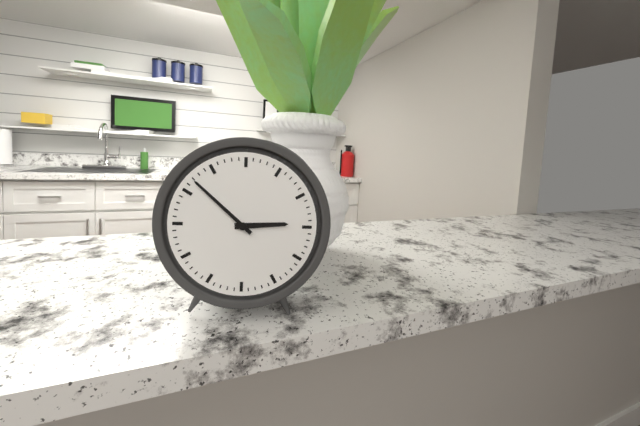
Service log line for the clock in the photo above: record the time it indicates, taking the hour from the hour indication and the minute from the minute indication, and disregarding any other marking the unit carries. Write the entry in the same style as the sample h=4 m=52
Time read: h=2 m=52
